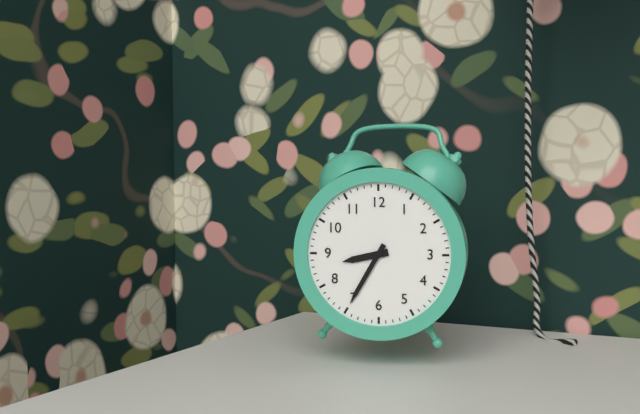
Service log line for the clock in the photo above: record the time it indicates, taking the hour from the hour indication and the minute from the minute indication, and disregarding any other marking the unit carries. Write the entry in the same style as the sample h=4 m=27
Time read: h=8 m=35
